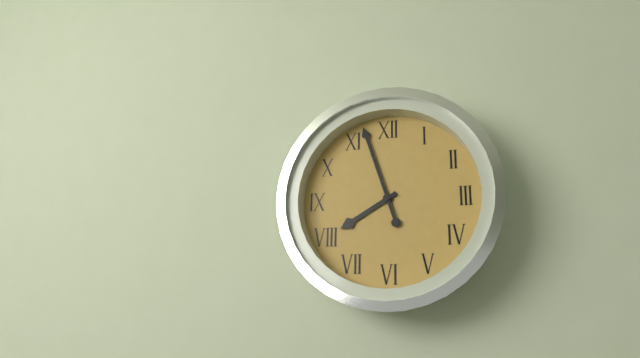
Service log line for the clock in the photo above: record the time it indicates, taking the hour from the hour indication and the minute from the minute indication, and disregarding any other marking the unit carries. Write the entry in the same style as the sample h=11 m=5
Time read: h=7 m=57
